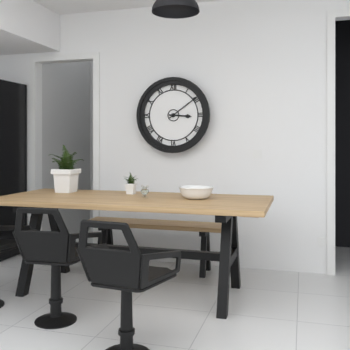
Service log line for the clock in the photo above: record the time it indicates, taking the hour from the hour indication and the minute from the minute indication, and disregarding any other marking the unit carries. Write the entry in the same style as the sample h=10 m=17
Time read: h=3 m=9
